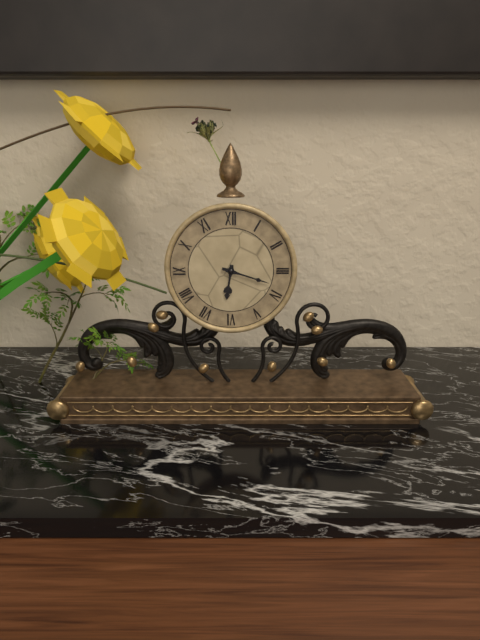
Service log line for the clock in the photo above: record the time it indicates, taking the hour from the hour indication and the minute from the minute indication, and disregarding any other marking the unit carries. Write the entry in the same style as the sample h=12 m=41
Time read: h=6 m=18
